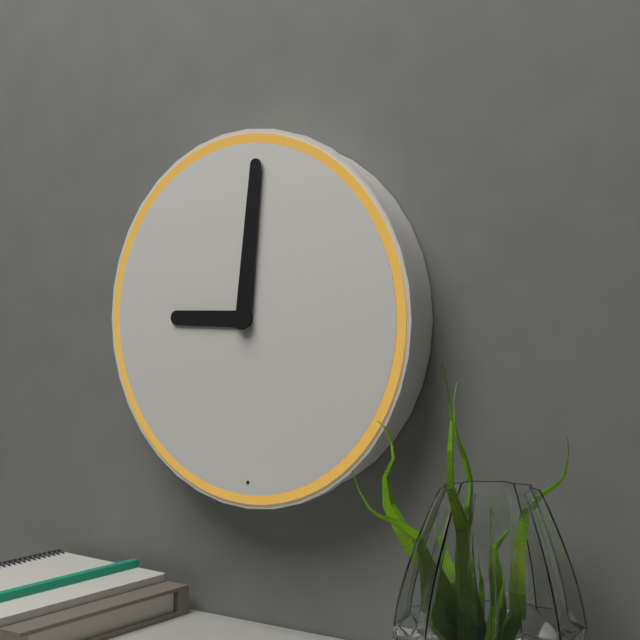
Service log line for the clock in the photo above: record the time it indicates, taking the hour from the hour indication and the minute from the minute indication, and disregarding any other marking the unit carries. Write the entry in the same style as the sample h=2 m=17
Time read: h=9 m=1
